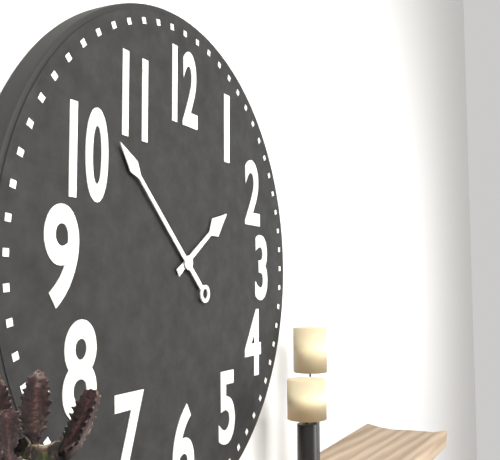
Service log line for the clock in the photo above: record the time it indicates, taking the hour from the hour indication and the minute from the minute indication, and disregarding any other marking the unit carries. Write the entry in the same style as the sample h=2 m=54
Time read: h=1 m=52
